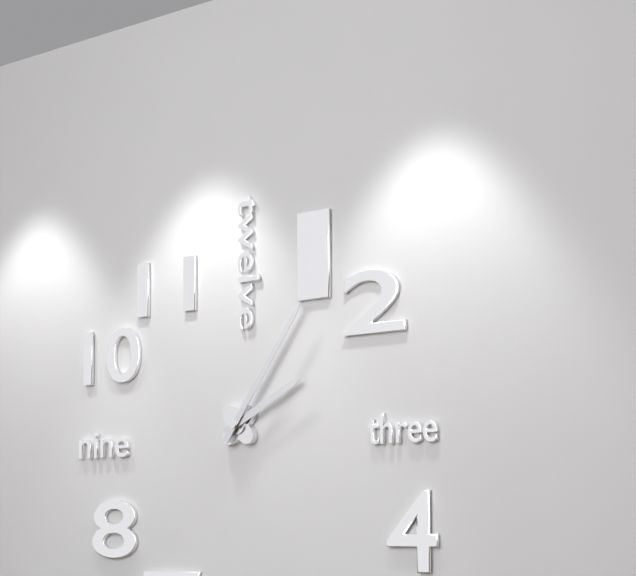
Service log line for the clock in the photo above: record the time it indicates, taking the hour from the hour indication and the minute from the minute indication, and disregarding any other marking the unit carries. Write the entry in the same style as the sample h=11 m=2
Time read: h=2 m=6
